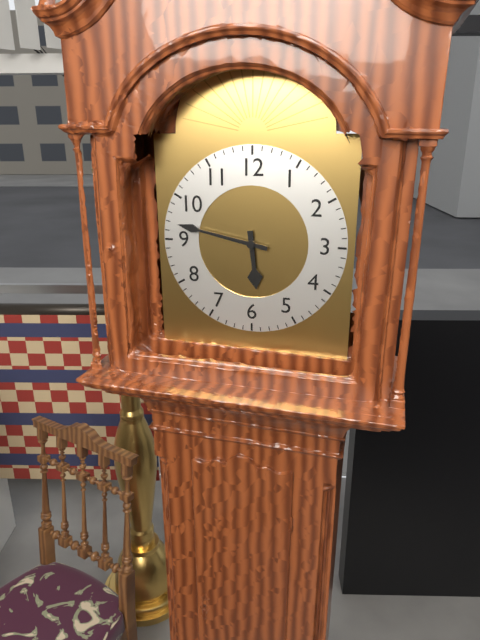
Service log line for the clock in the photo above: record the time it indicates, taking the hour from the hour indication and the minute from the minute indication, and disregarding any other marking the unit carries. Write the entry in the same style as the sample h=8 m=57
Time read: h=5 m=47
